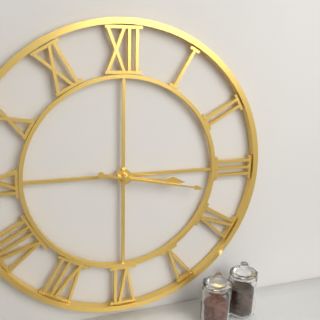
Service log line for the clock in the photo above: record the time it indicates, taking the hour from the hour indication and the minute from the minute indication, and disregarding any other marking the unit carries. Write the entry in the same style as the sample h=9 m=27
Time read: h=3 m=17
